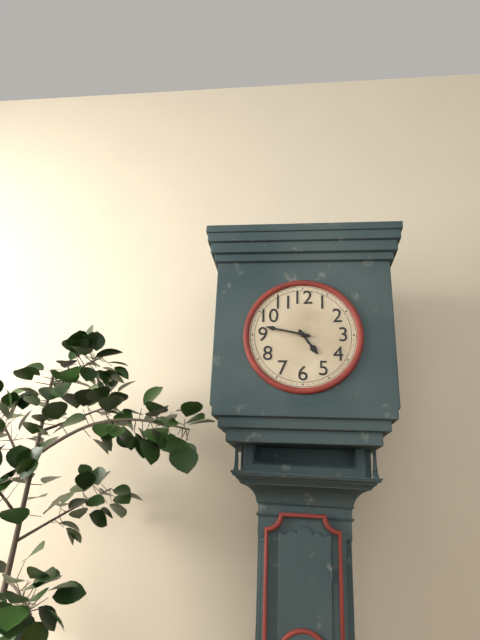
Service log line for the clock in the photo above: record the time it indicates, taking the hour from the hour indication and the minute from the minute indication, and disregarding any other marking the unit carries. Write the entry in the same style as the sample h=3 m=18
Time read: h=4 m=47
